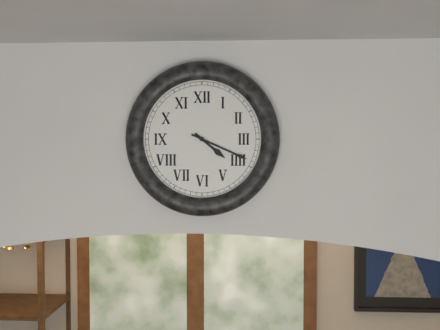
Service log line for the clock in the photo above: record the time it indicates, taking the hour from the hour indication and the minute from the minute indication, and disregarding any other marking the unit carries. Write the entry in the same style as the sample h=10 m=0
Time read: h=4 m=19
